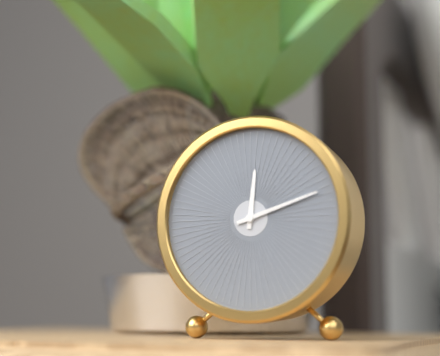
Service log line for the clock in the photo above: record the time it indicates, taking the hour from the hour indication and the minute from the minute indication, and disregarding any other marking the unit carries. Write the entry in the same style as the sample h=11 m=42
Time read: h=12 m=12
